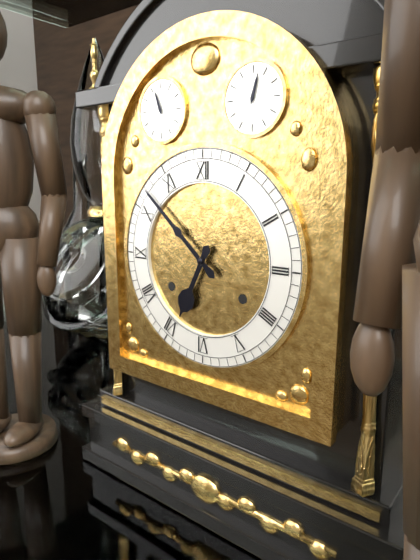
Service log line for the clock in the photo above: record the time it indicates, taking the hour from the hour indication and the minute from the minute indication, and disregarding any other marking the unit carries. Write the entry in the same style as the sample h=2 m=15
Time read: h=6 m=52
